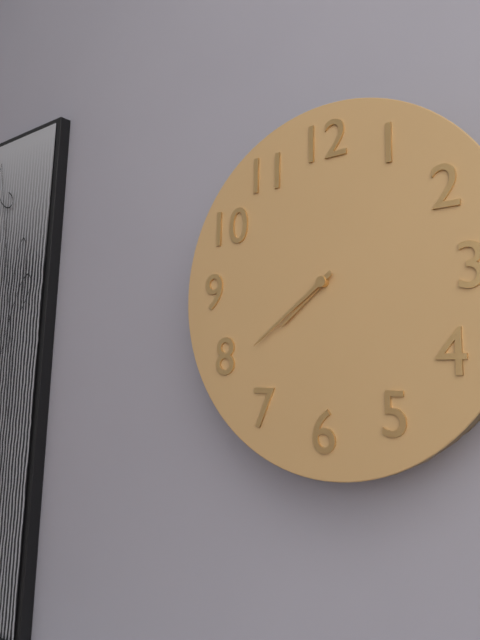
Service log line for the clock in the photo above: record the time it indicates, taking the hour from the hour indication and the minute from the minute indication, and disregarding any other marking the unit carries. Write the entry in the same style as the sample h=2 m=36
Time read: h=7 m=39
